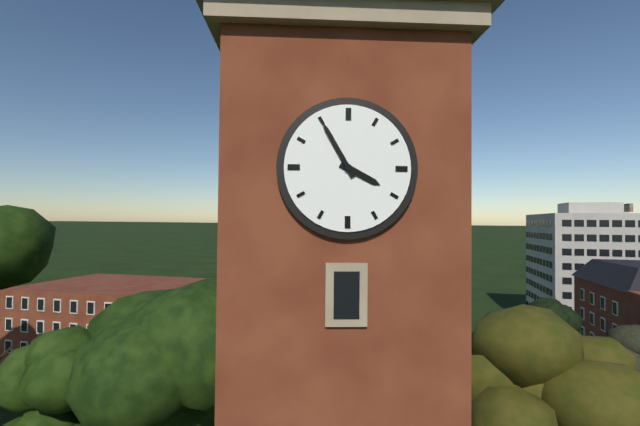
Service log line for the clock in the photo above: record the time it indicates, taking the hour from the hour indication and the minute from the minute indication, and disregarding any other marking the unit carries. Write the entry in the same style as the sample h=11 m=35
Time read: h=3 m=55
